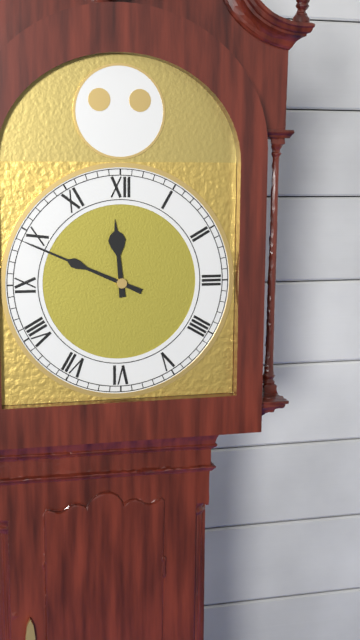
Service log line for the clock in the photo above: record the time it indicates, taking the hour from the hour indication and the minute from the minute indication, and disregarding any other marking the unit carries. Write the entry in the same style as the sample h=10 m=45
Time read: h=11 m=49
